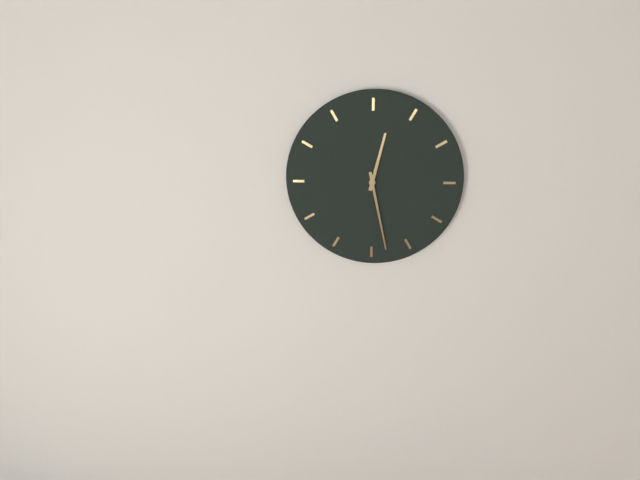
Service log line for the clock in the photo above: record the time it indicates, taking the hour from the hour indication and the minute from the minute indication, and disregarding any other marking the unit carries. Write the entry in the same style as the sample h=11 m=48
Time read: h=12 m=28
